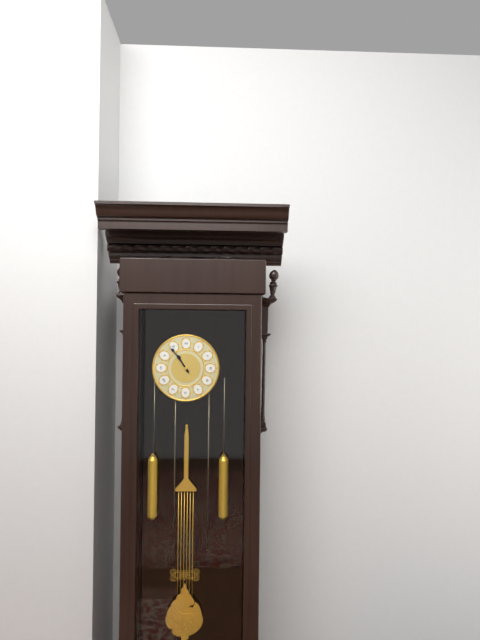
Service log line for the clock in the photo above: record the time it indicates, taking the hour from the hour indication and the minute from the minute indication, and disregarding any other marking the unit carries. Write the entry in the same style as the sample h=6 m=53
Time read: h=10 m=54
